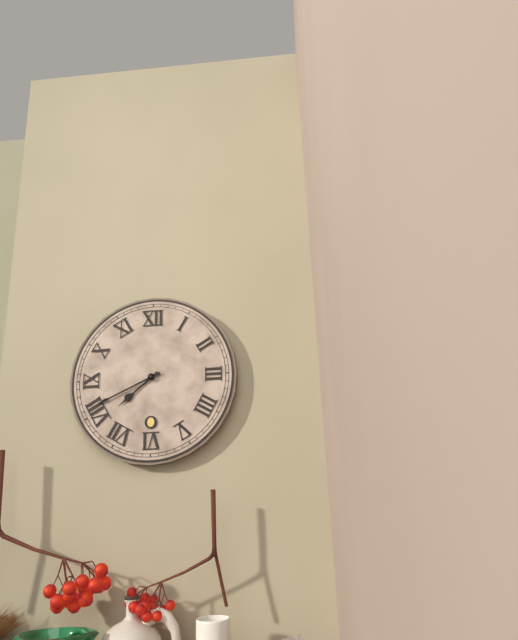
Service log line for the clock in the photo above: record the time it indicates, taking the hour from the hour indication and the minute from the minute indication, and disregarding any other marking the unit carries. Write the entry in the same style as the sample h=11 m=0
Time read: h=7 m=41
